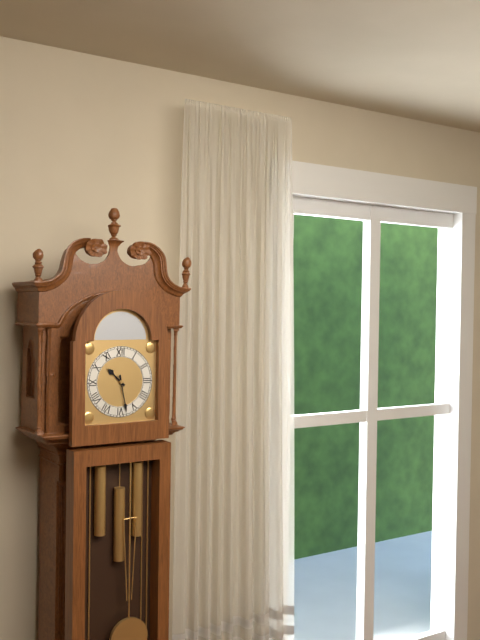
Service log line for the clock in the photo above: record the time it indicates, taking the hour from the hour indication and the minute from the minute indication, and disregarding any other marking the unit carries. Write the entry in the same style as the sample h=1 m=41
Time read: h=10 m=28
